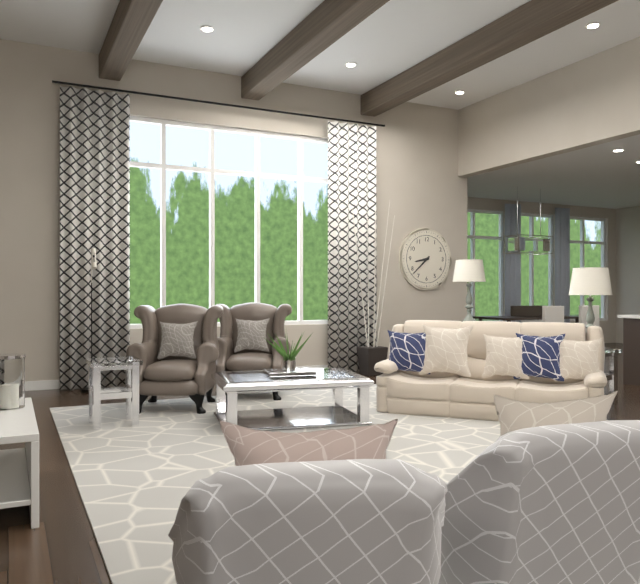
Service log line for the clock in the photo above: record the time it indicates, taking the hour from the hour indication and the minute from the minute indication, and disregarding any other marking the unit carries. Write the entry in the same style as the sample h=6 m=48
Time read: h=8 m=38
